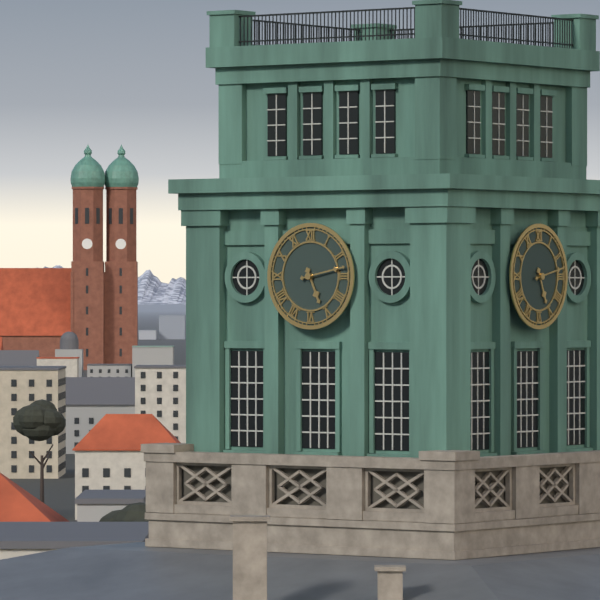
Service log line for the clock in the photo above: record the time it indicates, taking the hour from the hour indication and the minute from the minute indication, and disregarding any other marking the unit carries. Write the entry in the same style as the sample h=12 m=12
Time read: h=5 m=13
